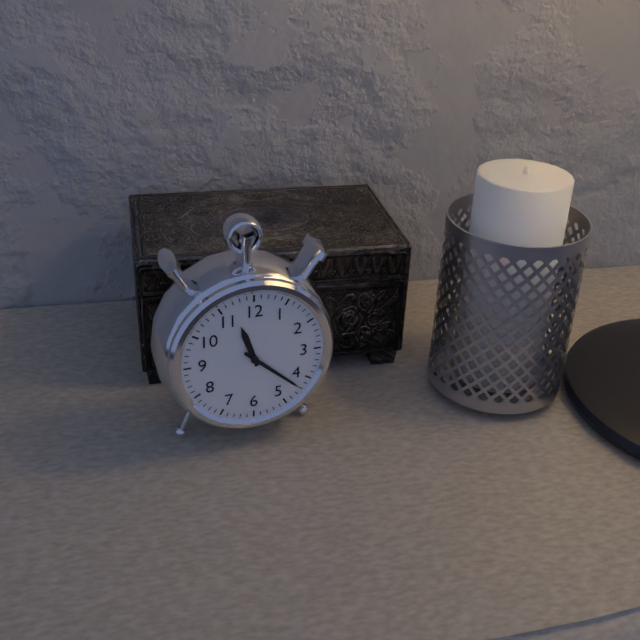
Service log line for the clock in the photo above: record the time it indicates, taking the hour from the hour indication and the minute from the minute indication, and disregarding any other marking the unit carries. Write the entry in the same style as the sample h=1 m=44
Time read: h=11 m=22
